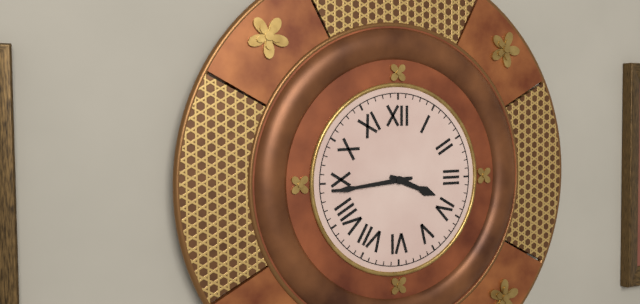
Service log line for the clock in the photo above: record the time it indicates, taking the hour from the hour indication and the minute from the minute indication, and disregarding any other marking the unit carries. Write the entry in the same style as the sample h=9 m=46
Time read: h=3 m=44
